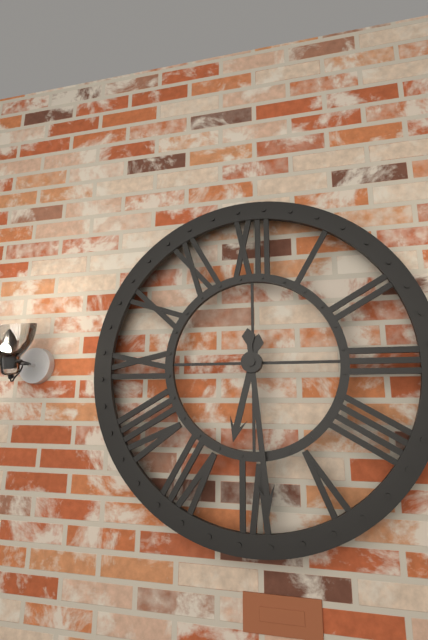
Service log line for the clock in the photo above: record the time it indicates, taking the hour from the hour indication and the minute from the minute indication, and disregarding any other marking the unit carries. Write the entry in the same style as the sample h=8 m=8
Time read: h=6 m=29
